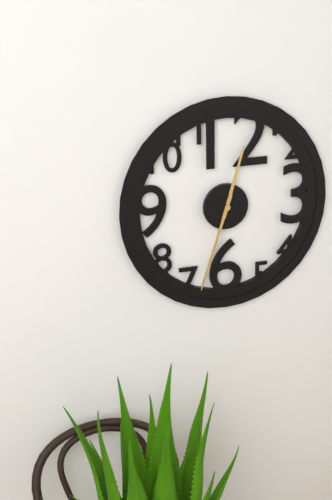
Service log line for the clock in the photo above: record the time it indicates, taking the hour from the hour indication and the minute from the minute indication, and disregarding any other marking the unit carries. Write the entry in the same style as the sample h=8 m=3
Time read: h=12 m=33
